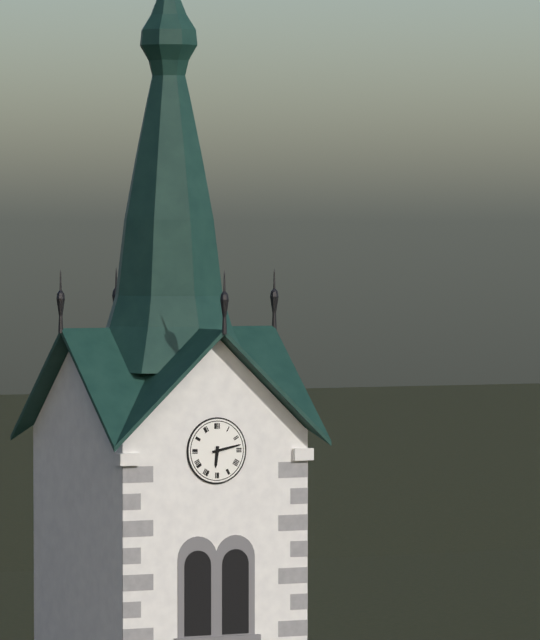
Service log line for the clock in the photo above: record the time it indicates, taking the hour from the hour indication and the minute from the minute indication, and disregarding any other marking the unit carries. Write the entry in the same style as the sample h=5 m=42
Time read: h=6 m=13
